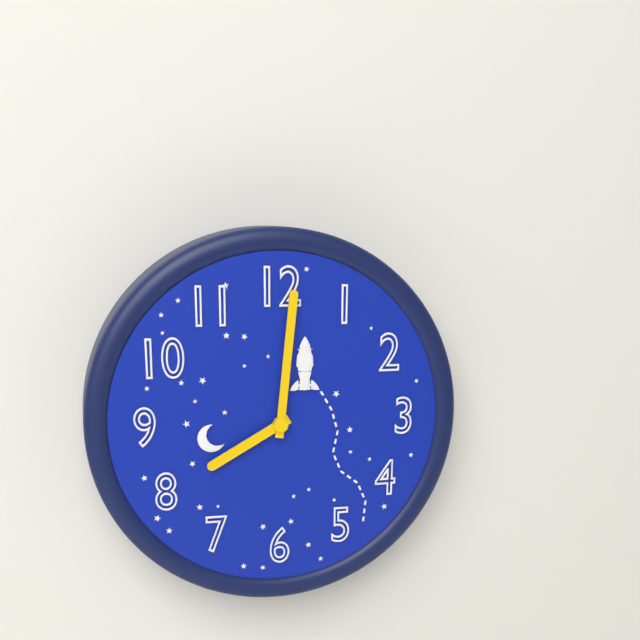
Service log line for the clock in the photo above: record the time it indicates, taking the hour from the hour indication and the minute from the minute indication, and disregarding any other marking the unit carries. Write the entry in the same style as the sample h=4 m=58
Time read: h=8 m=1
